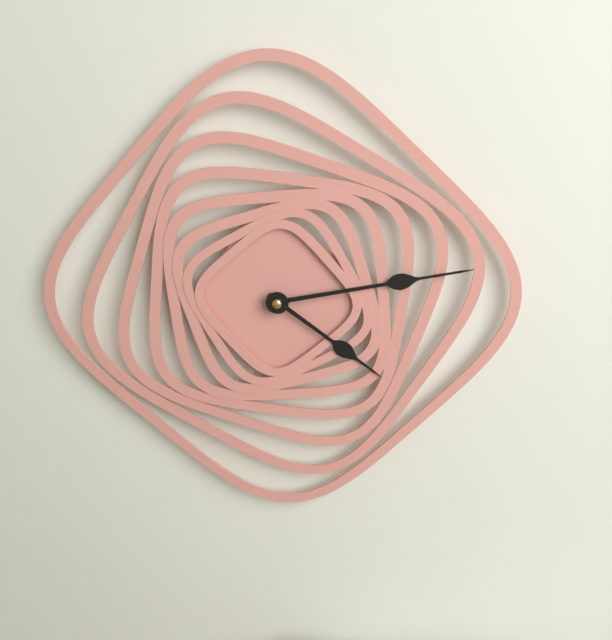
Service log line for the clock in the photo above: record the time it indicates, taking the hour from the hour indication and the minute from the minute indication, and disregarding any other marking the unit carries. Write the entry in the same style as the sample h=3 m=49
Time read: h=4 m=13
